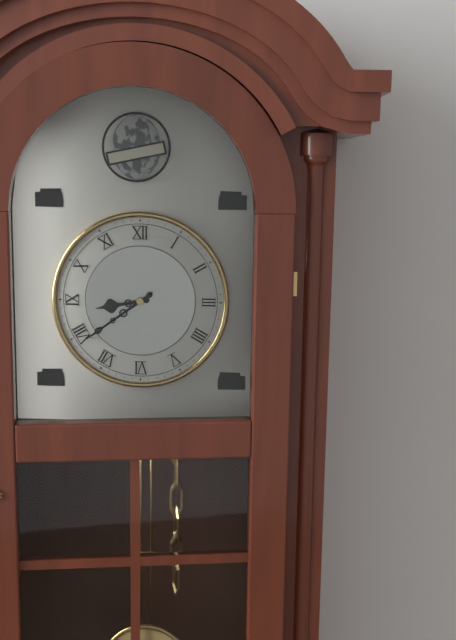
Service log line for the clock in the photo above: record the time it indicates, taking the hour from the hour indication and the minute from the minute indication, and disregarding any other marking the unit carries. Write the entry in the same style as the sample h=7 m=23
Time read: h=8 m=39
